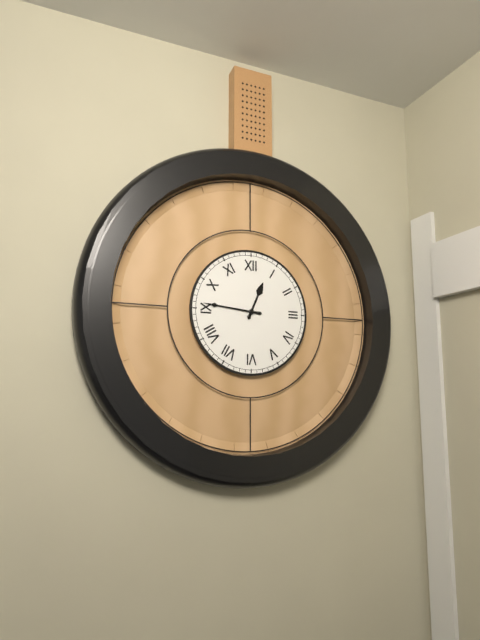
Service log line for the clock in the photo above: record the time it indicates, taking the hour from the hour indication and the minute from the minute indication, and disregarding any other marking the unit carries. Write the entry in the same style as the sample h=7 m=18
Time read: h=12 m=46
